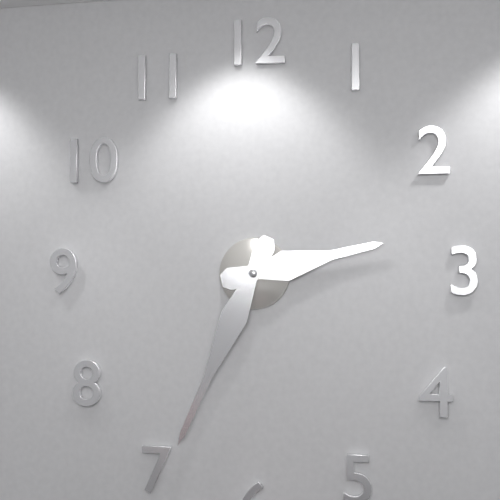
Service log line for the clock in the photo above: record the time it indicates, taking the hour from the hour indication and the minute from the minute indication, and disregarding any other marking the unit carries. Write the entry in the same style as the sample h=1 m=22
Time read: h=2 m=34
